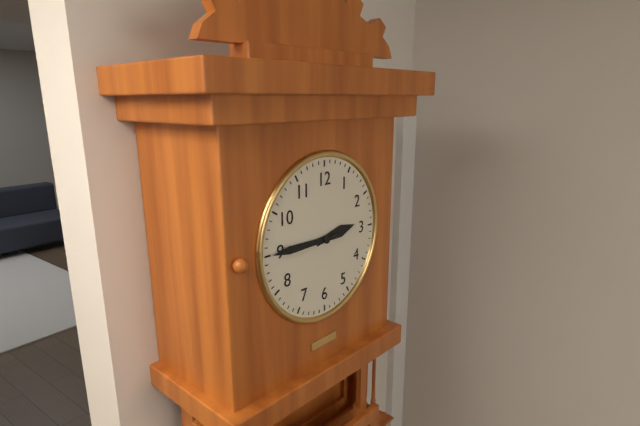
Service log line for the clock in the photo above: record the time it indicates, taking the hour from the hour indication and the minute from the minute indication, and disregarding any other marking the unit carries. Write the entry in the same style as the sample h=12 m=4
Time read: h=2 m=45
